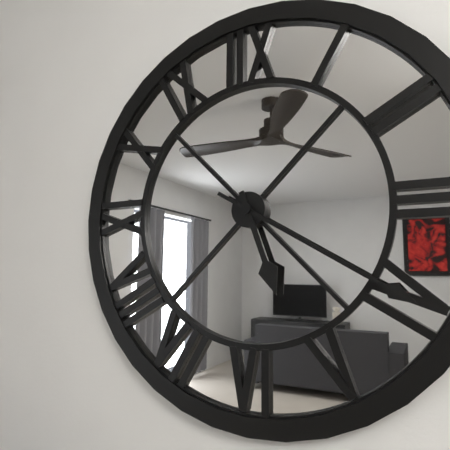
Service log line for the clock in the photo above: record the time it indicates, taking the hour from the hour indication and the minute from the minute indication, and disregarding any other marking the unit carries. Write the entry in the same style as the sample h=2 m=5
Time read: h=5 m=20
